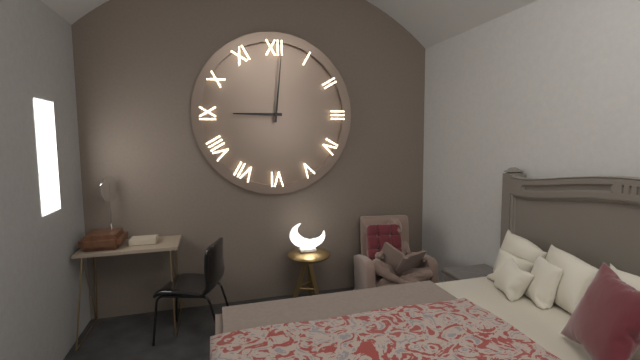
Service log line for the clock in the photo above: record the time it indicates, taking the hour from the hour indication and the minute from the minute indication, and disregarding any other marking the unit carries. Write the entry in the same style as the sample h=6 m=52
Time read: h=9 m=1
